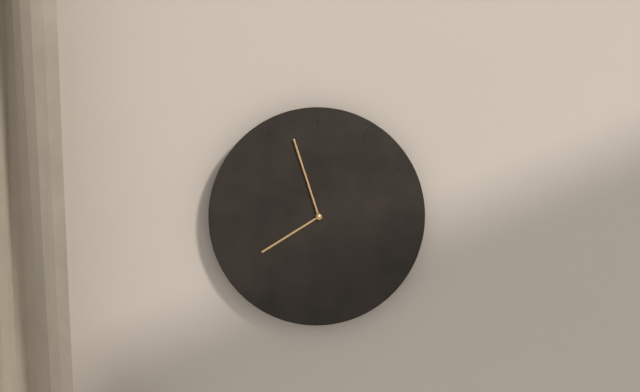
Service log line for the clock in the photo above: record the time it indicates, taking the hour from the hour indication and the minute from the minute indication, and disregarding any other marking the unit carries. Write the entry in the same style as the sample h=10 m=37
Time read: h=7 m=57
